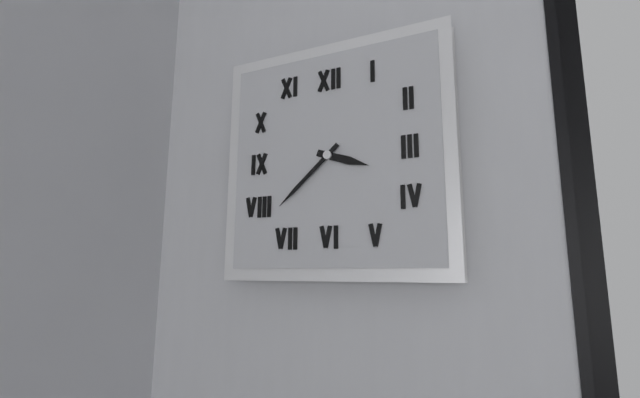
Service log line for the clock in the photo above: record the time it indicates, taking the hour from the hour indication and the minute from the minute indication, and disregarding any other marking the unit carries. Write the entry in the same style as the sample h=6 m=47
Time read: h=3 m=38
